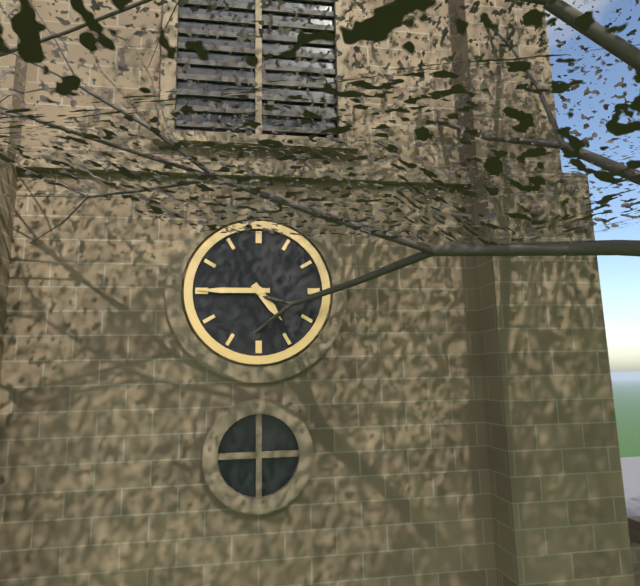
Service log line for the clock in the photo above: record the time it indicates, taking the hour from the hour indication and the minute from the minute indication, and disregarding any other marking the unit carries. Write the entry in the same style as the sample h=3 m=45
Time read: h=4 m=45
